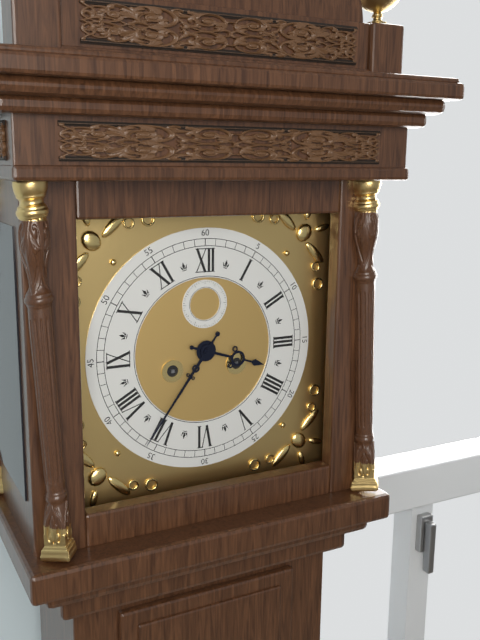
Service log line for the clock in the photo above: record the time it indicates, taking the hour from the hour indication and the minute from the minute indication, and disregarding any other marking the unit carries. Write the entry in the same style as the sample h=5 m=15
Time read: h=3 m=36
